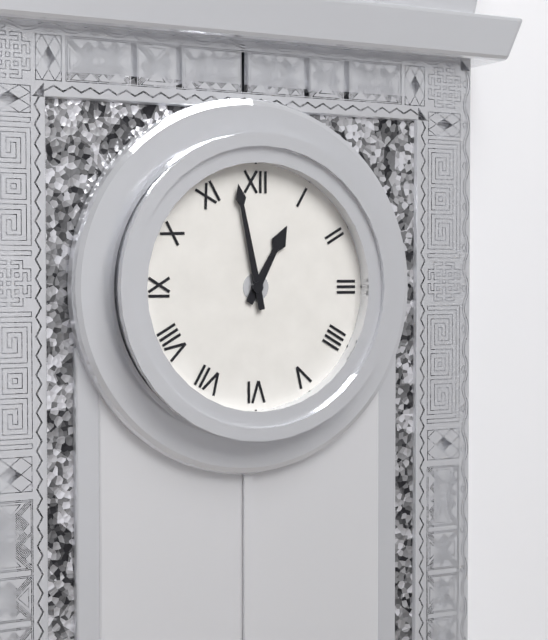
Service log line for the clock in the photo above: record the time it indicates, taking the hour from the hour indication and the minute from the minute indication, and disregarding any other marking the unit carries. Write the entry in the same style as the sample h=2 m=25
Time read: h=12 m=58
